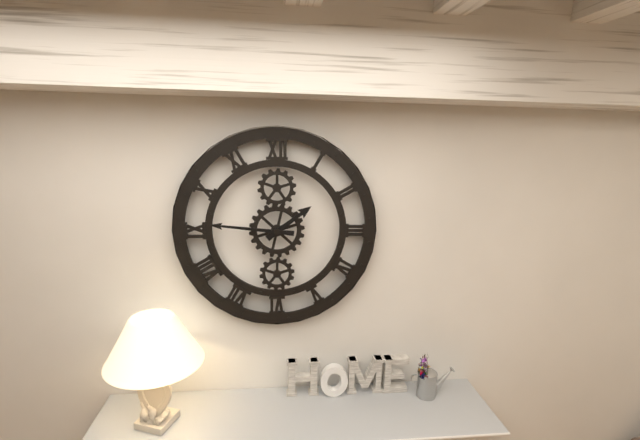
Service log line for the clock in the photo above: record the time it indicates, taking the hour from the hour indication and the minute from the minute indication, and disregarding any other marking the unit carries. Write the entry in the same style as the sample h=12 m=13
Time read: h=1 m=46
